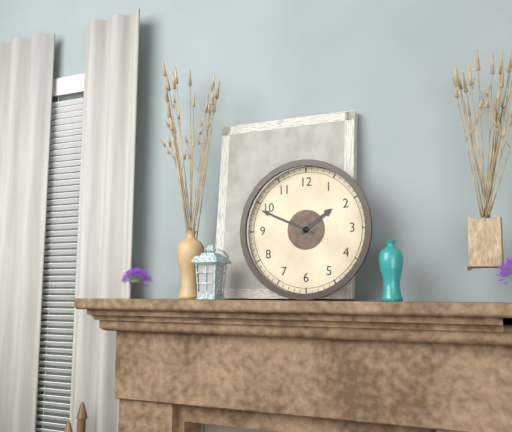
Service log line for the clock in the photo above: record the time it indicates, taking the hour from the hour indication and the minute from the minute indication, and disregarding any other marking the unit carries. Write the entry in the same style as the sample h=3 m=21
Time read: h=1 m=49
